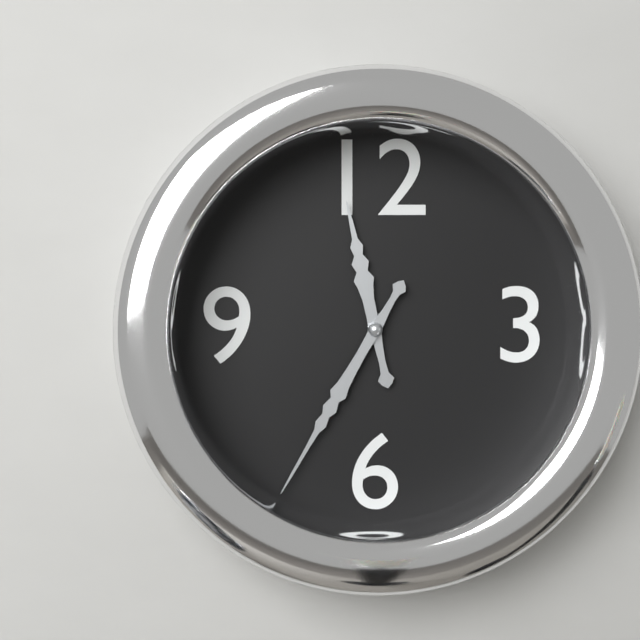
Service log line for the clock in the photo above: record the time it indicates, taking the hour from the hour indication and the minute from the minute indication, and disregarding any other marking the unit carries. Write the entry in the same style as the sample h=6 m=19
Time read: h=11 m=35
